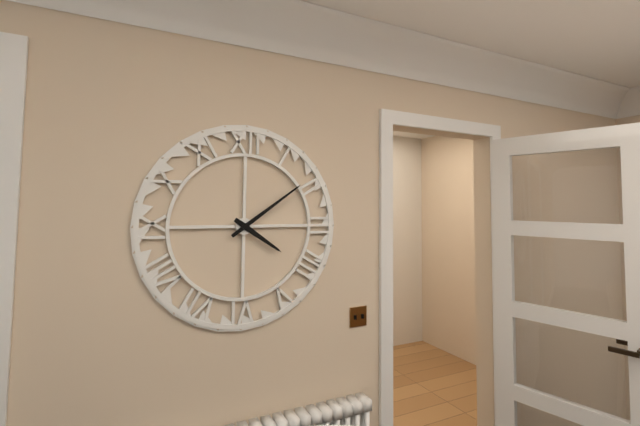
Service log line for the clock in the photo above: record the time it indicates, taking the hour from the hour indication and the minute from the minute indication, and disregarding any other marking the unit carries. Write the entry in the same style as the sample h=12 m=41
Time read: h=4 m=9
